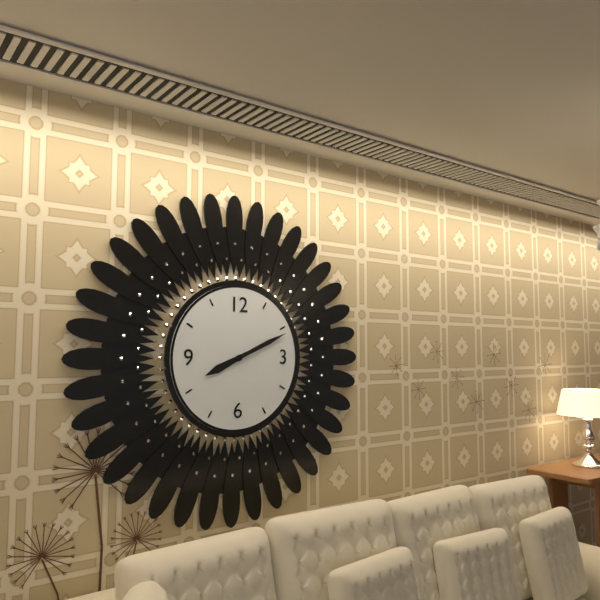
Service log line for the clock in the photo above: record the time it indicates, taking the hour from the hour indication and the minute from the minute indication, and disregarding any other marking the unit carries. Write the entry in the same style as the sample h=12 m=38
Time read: h=8 m=11
